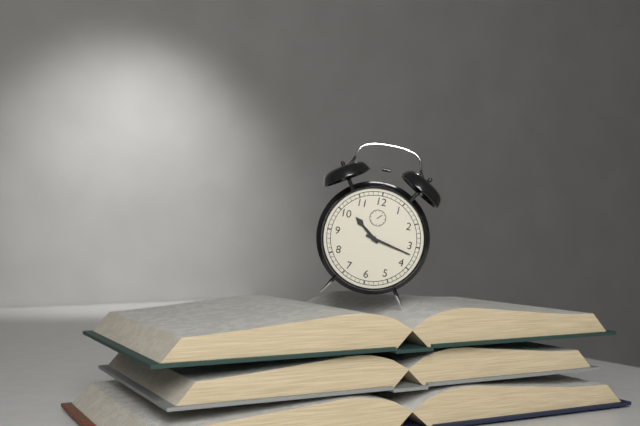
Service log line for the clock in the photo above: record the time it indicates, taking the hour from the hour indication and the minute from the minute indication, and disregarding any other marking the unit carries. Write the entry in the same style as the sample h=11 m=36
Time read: h=10 m=17
